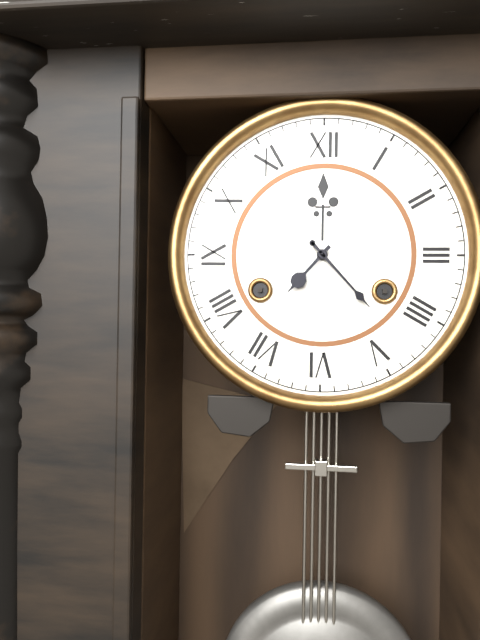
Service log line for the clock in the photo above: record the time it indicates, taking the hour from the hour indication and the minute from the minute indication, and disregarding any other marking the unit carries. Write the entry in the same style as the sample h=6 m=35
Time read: h=7 m=23
